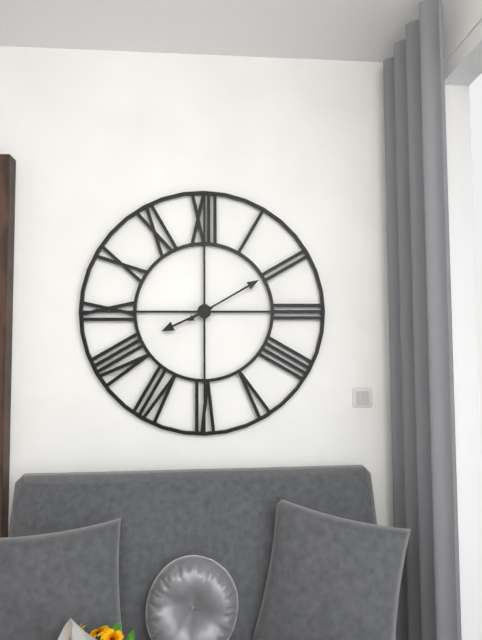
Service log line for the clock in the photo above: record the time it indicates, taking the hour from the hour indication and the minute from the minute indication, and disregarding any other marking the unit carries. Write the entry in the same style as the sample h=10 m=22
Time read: h=8 m=10
